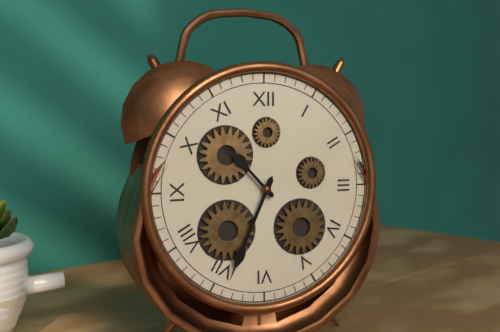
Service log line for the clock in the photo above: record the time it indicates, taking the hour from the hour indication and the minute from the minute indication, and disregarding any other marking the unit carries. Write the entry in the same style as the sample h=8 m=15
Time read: h=10 m=34
